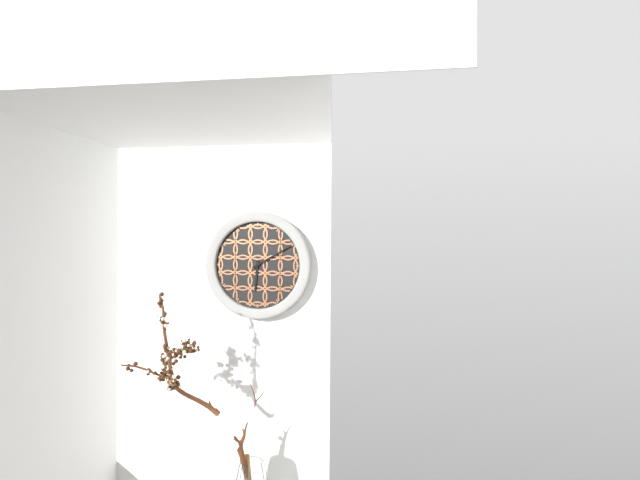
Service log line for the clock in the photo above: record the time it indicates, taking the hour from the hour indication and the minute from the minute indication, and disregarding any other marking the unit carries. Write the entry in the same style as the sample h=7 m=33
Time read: h=6 m=10
